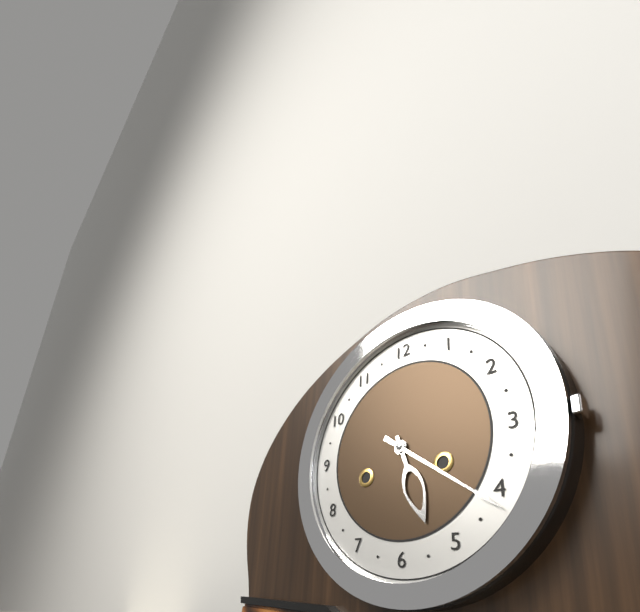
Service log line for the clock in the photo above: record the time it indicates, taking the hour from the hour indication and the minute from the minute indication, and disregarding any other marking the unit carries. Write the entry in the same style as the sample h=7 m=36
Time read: h=5 m=21
